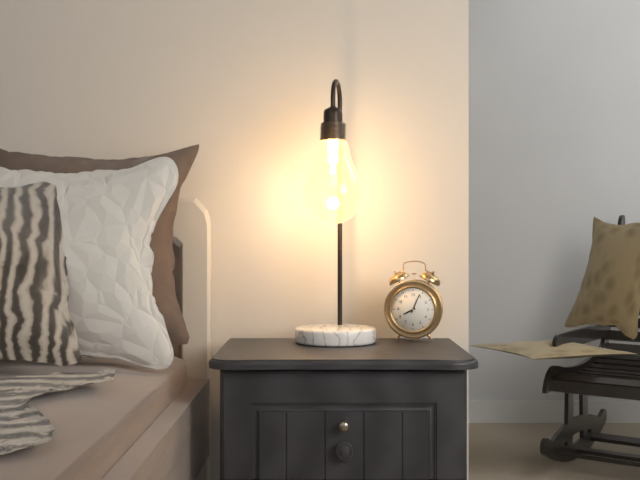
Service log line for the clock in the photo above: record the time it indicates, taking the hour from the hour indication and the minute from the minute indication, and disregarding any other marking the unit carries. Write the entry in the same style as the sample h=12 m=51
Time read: h=8 m=4
